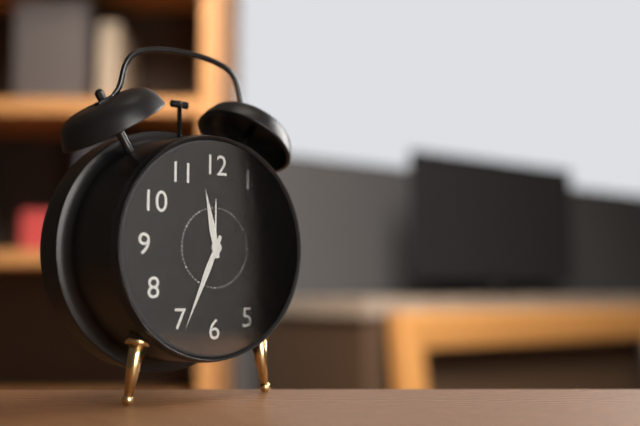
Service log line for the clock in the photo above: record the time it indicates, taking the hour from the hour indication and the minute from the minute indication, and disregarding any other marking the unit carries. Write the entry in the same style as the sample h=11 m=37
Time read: h=11 m=34
